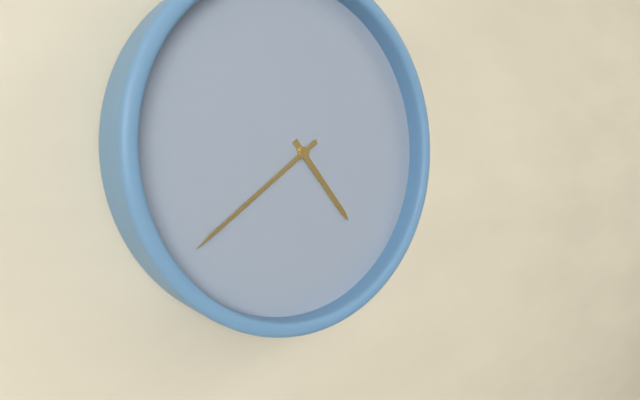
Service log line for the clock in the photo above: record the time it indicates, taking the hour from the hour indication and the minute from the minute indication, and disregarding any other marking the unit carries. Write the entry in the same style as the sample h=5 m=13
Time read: h=4 m=39
